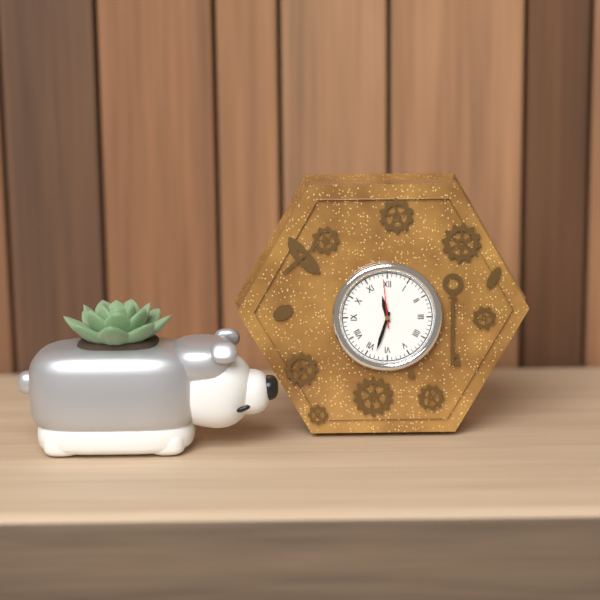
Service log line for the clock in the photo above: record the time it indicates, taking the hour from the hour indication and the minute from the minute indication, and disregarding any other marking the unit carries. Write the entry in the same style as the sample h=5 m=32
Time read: h=11 m=33
